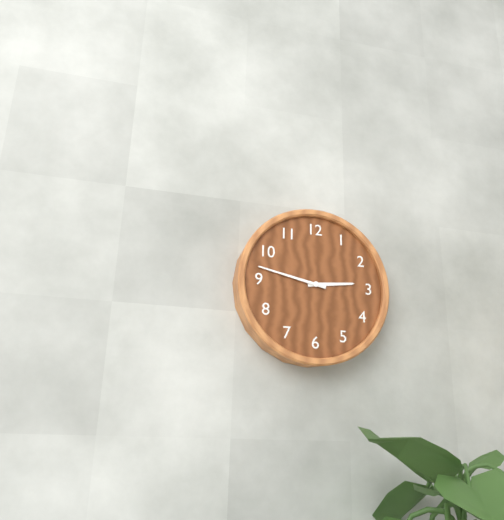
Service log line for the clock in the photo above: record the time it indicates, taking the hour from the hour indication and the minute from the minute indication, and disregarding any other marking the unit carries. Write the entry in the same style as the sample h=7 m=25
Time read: h=2 m=47
